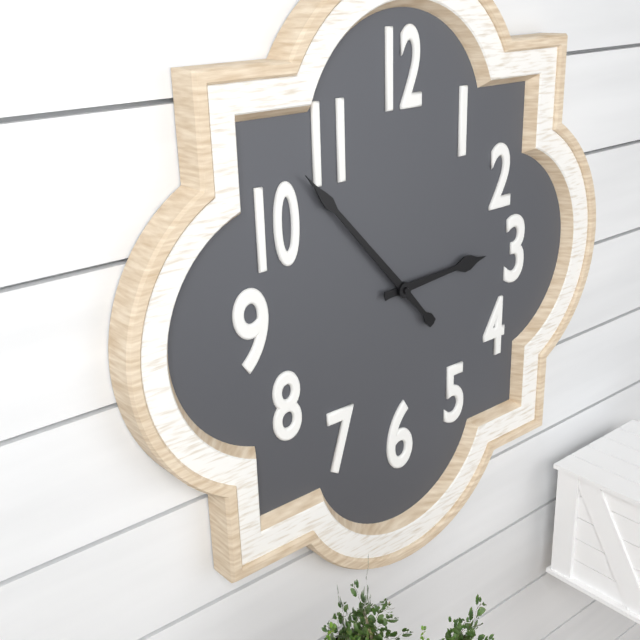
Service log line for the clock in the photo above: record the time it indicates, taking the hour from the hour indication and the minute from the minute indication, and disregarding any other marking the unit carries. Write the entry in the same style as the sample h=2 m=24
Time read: h=2 m=53
